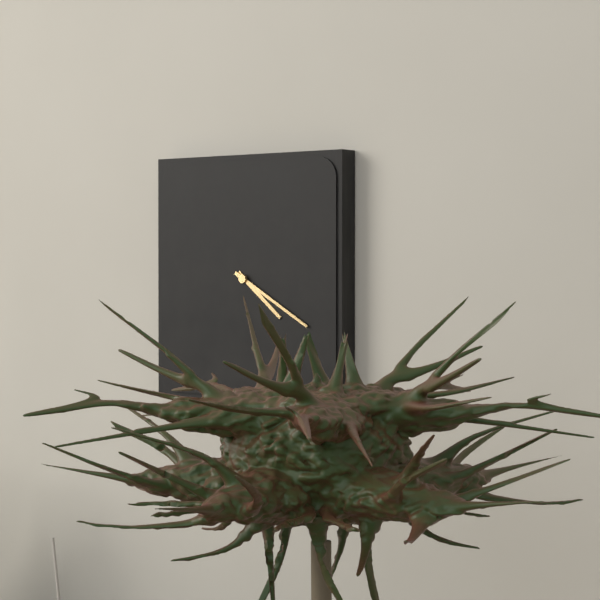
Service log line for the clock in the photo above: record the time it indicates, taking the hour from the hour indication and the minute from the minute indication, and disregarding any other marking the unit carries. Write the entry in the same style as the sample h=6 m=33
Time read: h=4 m=20
